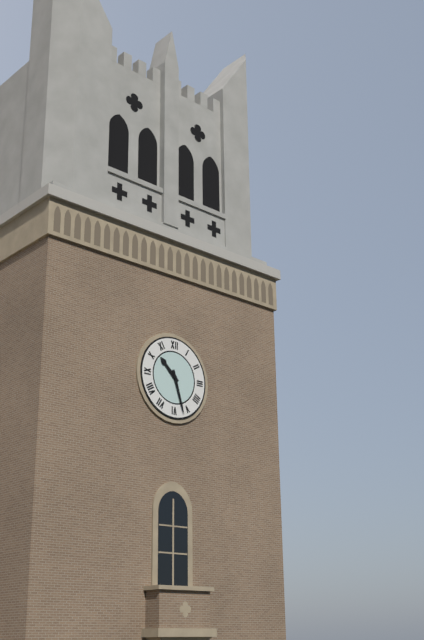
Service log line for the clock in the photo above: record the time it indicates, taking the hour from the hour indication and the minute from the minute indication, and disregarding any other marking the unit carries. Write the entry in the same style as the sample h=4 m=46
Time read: h=10 m=27
